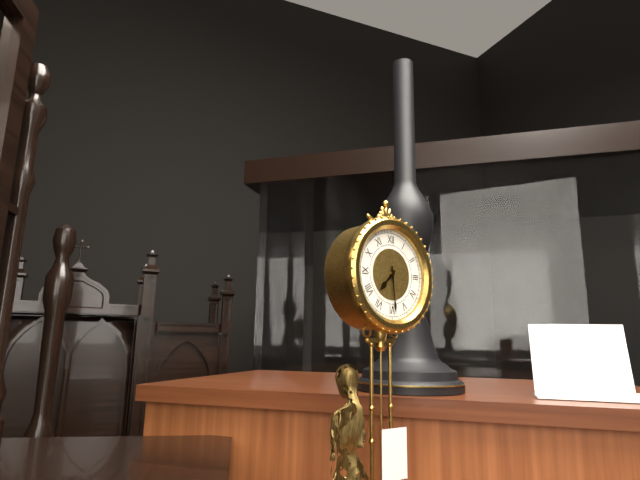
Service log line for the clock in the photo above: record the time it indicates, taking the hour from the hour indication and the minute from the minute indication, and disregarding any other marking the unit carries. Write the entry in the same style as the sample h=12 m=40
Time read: h=7 m=29
